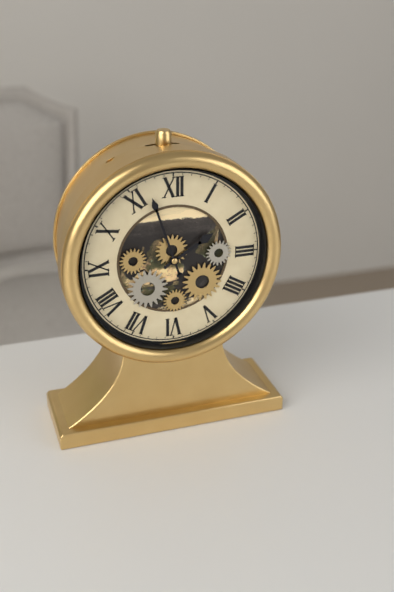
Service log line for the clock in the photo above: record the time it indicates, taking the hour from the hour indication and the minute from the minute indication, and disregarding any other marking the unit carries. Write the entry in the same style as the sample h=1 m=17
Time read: h=1 m=57
